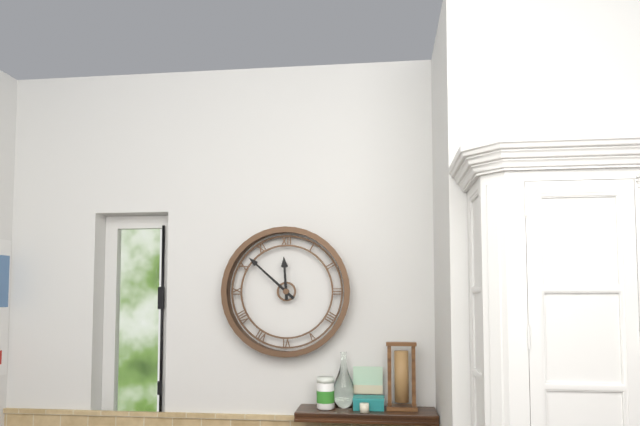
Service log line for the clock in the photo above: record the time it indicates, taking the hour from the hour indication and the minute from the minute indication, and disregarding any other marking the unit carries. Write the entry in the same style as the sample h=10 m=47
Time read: h=11 m=52
